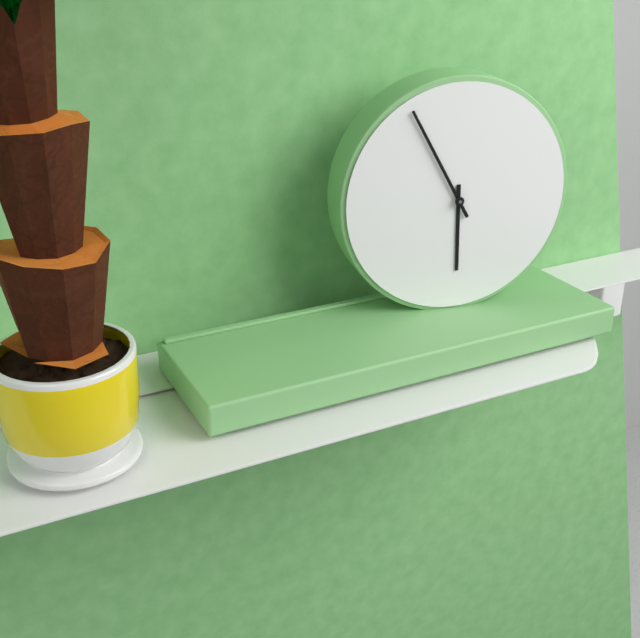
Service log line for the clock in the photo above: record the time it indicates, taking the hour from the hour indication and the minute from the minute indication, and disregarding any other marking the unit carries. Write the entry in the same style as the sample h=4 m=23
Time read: h=5 m=55
